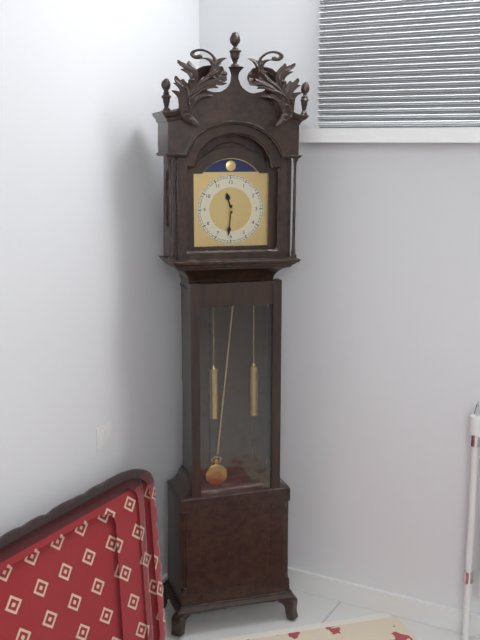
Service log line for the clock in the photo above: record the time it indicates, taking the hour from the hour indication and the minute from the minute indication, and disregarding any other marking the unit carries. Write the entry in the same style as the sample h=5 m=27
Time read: h=11 m=31
